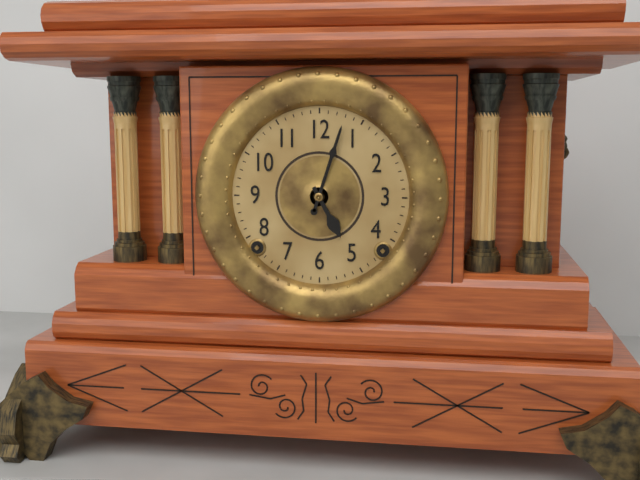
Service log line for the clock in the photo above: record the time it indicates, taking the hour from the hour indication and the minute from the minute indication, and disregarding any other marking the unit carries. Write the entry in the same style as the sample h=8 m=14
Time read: h=5 m=3
